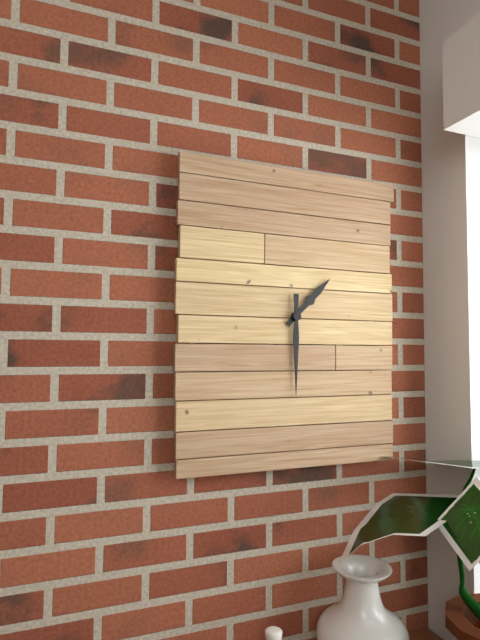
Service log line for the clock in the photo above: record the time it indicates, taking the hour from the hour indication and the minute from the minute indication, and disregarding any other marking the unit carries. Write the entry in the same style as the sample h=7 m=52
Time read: h=1 m=30
